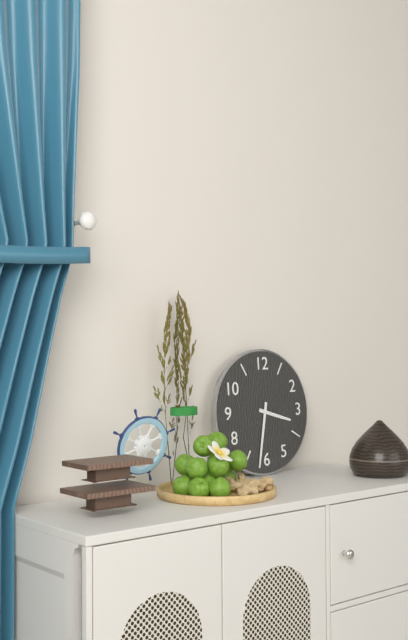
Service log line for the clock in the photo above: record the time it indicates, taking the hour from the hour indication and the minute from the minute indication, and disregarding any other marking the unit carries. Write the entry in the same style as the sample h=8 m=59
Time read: h=3 m=32
